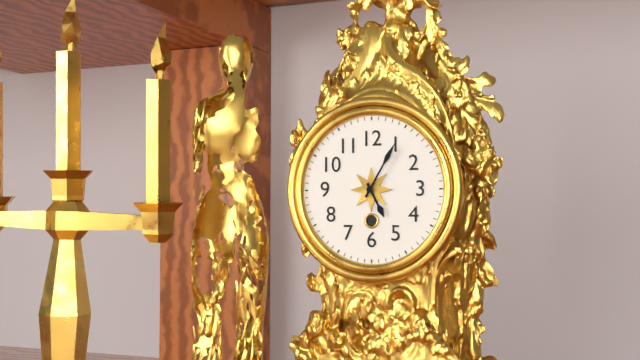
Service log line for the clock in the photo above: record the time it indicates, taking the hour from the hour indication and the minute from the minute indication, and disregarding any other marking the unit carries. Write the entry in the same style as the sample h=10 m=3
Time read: h=5 m=5
